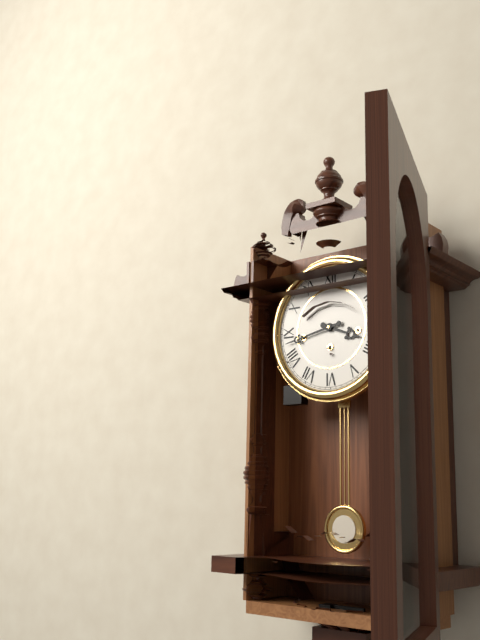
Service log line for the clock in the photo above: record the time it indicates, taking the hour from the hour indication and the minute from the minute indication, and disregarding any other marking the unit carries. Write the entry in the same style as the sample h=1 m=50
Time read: h=3 m=43
